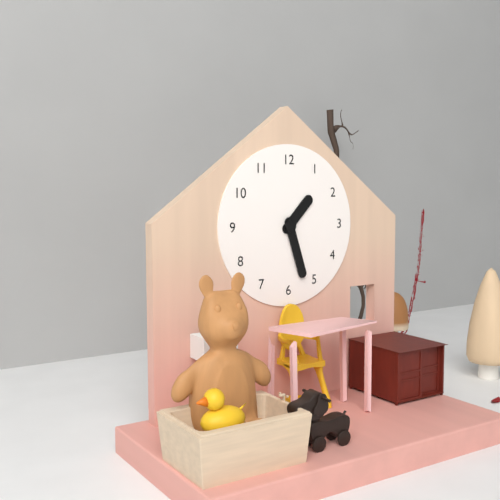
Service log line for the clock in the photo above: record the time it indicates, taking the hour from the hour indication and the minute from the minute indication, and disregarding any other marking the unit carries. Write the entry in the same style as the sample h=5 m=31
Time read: h=1 m=27
